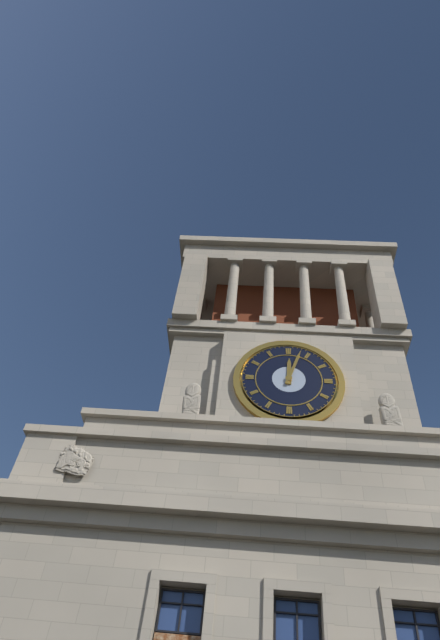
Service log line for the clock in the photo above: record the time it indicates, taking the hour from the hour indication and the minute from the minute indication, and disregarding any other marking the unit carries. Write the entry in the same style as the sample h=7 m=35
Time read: h=12 m=3
